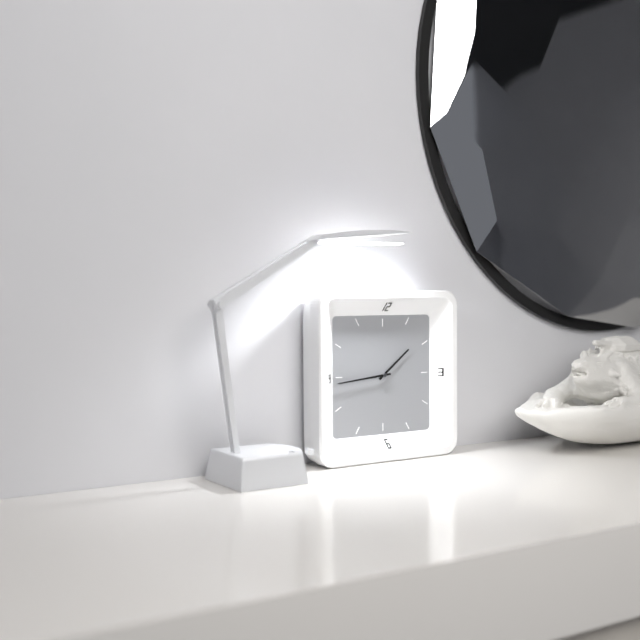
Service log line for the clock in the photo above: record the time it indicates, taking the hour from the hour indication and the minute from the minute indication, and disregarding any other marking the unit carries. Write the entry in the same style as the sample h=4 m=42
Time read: h=1 m=44
